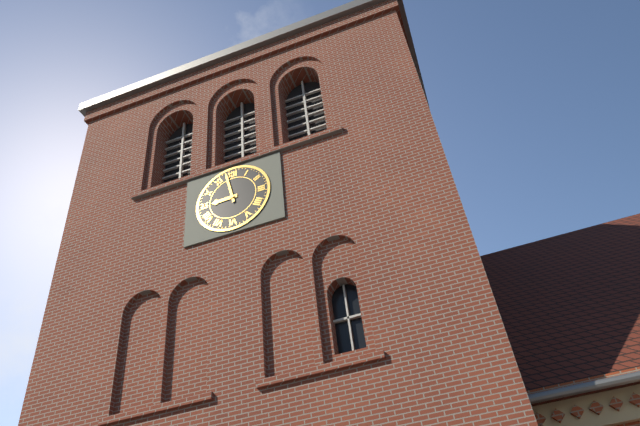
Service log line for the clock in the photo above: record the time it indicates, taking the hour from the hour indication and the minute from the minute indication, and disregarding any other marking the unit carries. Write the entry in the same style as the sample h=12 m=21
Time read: h=8 m=58
